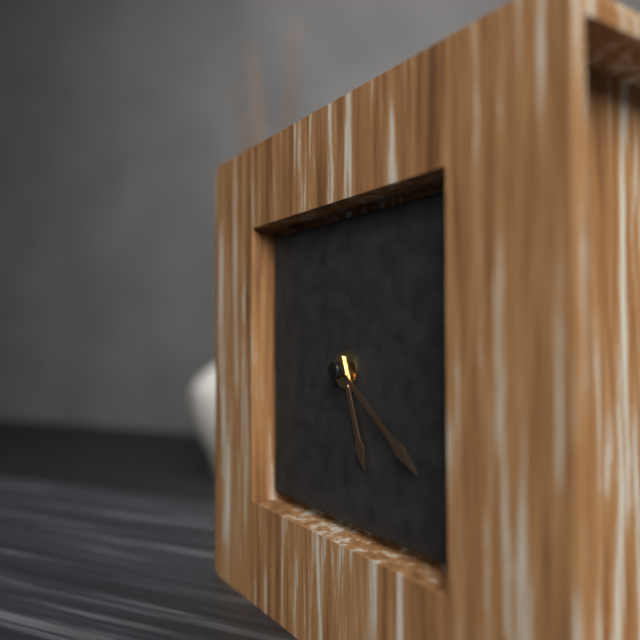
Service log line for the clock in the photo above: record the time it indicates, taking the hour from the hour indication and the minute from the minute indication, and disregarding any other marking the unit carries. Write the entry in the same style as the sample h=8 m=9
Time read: h=5 m=21
